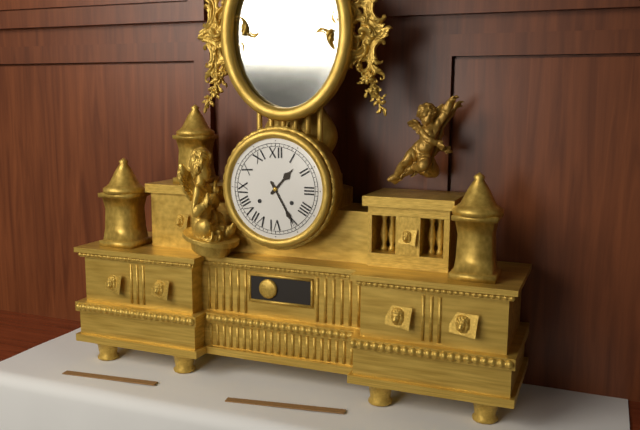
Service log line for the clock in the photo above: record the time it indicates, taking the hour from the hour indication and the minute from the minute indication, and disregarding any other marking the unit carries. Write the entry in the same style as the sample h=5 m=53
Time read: h=1 m=25
